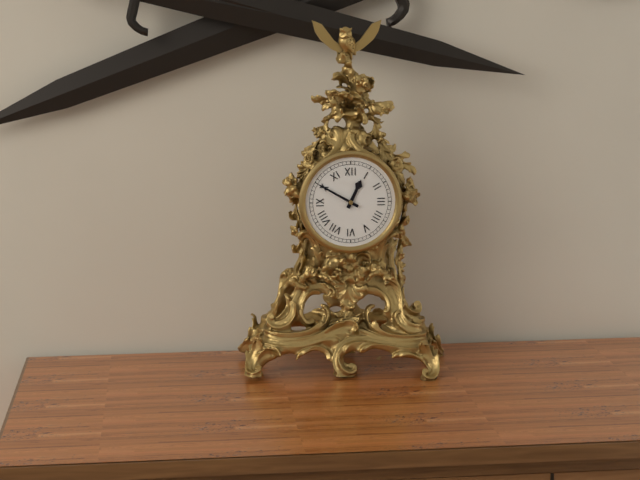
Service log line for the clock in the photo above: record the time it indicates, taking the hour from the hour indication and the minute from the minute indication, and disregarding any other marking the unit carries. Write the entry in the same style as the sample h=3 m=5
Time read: h=12 m=50
